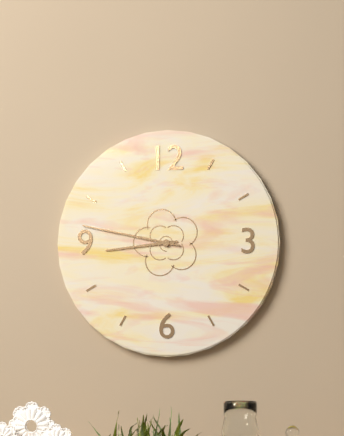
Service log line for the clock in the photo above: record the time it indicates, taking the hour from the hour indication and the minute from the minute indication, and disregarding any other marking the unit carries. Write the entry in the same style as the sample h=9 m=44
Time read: h=8 m=47
